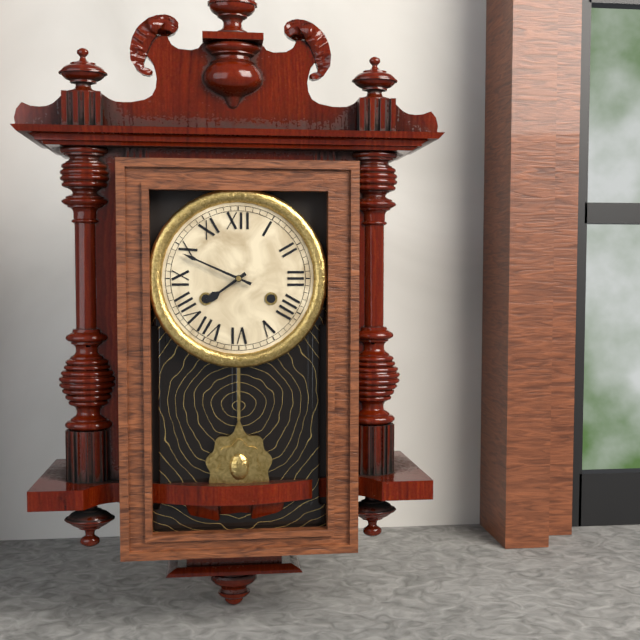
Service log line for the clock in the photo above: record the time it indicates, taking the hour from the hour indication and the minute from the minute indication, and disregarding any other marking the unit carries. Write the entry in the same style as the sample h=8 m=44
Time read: h=7 m=49
